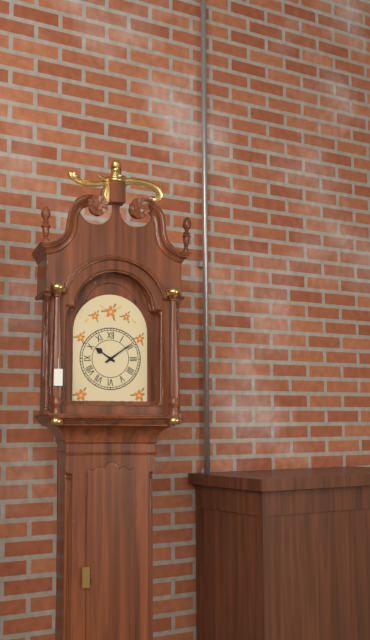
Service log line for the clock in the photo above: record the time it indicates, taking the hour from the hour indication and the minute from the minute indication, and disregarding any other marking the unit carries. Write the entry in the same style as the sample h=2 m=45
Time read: h=10 m=9
